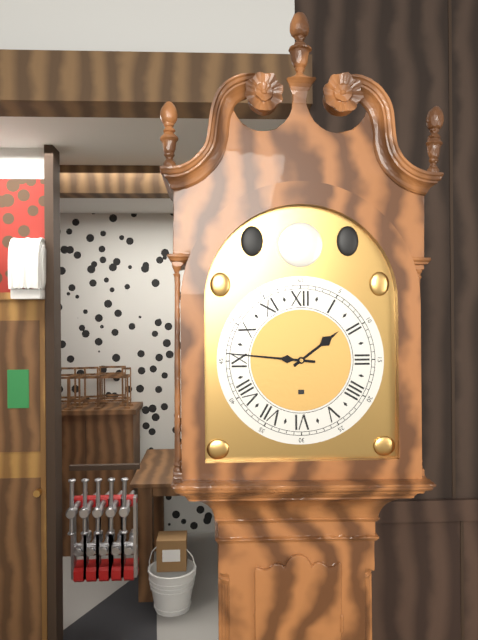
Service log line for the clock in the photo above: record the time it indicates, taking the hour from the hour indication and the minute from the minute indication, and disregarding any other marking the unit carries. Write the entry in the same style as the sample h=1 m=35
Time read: h=1 m=46
